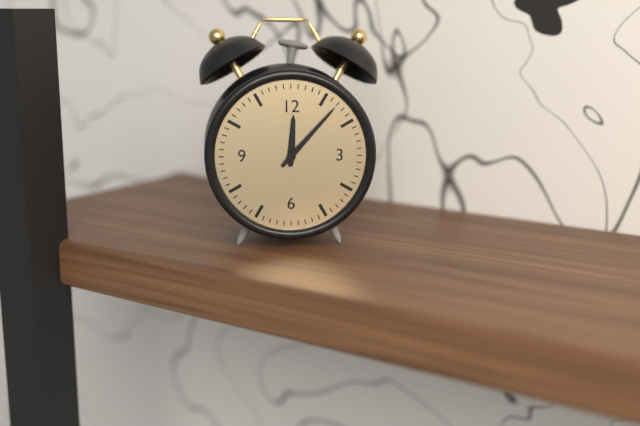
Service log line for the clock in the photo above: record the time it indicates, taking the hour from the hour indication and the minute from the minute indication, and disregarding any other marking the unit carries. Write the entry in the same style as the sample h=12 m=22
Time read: h=12 m=7
